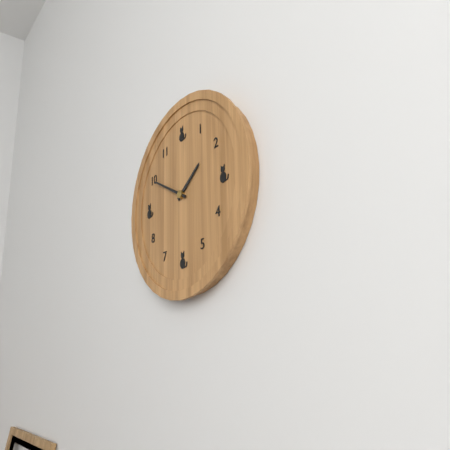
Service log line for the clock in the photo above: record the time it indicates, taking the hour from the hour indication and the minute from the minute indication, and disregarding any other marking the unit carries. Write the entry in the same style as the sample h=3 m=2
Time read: h=1 m=50
